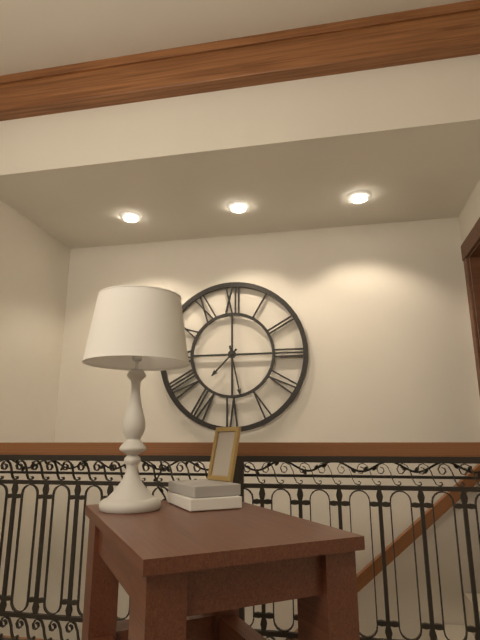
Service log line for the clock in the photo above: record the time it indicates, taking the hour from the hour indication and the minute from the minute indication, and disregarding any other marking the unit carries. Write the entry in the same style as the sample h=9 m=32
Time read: h=7 m=28
